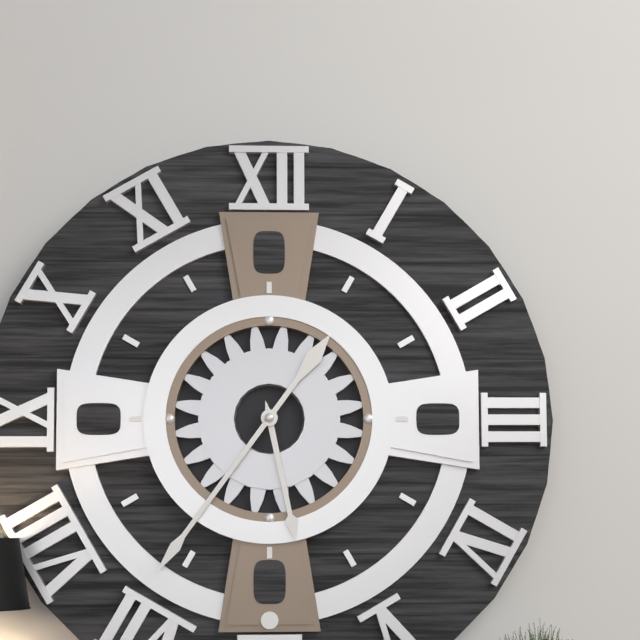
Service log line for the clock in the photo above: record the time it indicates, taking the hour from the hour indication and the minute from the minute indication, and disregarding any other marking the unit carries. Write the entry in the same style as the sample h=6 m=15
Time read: h=5 m=36
